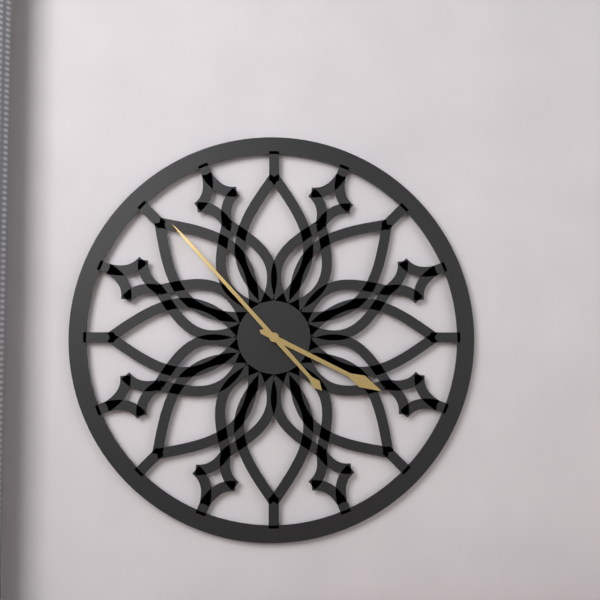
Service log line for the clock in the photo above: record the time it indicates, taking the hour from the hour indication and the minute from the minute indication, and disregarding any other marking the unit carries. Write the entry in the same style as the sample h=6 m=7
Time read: h=3 m=53
